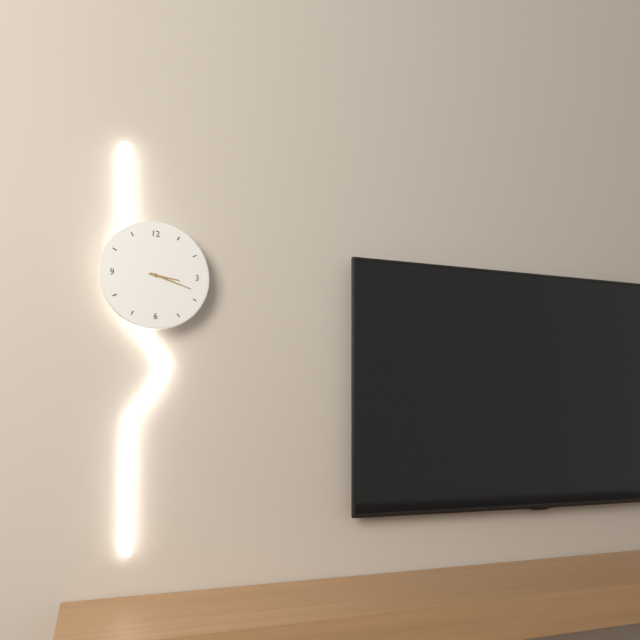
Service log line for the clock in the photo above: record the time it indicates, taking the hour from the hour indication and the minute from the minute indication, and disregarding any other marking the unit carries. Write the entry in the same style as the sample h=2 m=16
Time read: h=3 m=18
